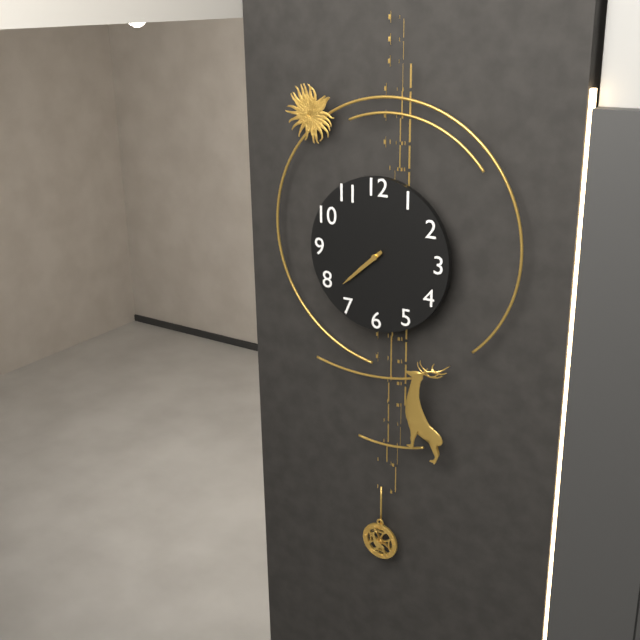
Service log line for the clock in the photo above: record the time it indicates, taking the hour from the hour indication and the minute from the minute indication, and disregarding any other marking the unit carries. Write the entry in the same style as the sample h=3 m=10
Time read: h=7 m=38
